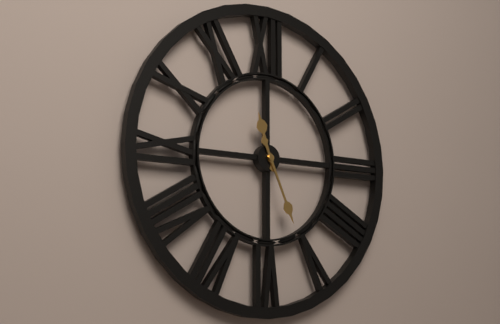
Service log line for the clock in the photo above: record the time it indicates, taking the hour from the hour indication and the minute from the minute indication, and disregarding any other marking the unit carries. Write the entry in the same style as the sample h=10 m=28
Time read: h=11 m=26
